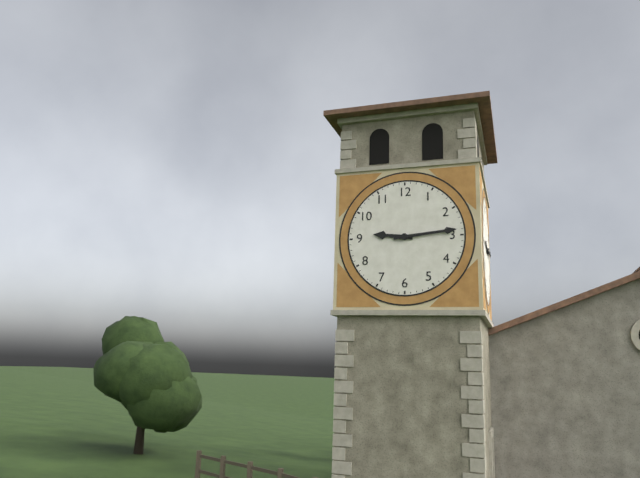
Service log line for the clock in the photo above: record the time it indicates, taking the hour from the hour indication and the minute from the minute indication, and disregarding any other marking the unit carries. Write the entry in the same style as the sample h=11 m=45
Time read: h=9 m=14
